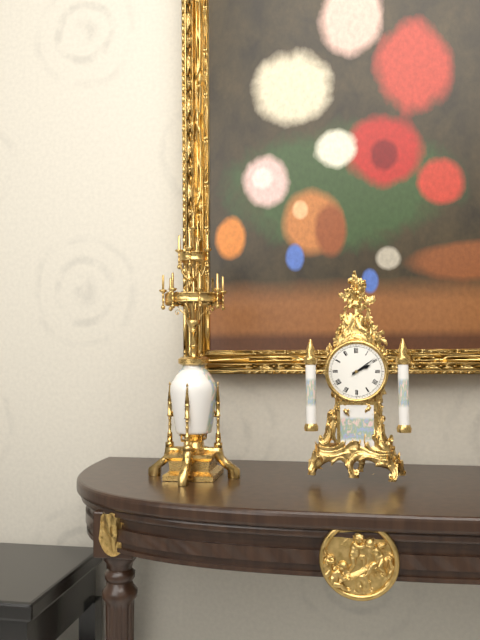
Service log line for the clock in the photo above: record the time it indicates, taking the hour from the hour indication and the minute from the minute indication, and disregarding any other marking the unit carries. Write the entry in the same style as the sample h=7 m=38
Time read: h=2 m=9
